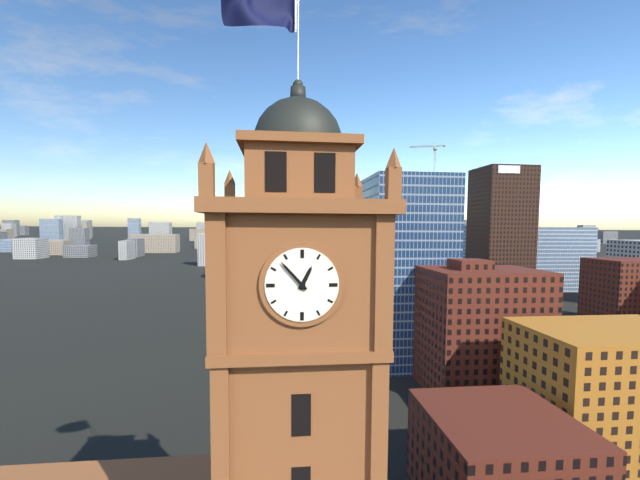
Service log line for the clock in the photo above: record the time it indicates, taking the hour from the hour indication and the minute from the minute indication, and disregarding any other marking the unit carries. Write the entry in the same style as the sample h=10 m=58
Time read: h=12 m=53
